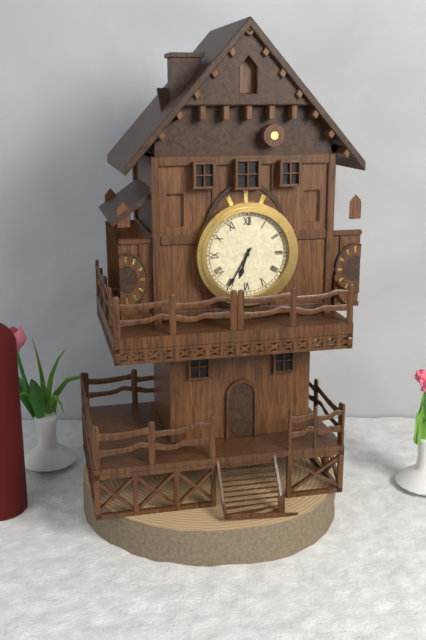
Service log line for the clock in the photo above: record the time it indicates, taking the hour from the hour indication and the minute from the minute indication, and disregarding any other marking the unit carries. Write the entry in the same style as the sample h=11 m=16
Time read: h=6 m=35
